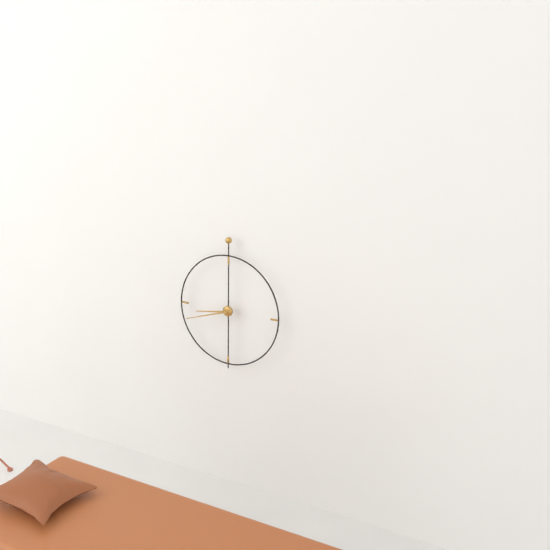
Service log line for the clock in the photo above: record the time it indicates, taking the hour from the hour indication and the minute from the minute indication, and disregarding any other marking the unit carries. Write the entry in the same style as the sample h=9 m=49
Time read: h=8 m=42
